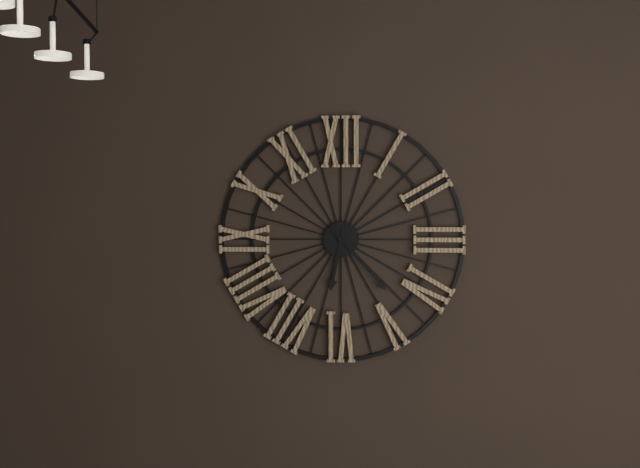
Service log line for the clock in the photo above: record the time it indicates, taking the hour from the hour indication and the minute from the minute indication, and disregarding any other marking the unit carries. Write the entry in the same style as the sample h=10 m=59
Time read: h=6 m=23
